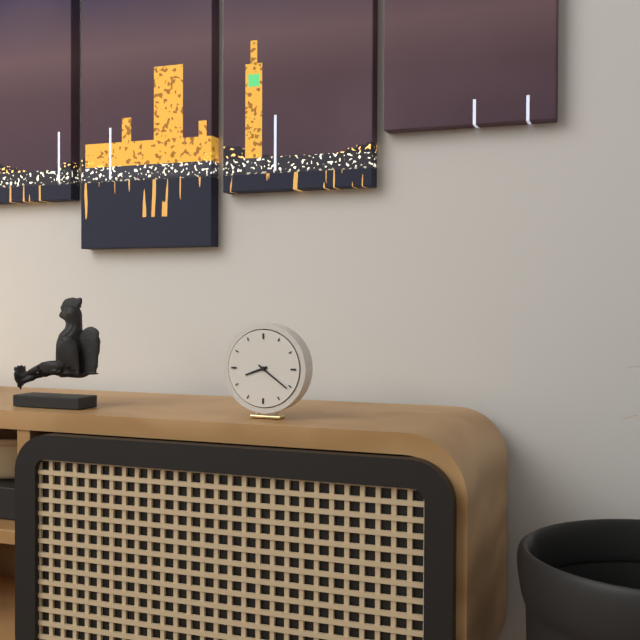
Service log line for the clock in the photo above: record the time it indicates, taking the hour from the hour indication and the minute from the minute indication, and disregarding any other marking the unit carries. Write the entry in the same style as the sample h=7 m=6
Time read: h=8 m=21
